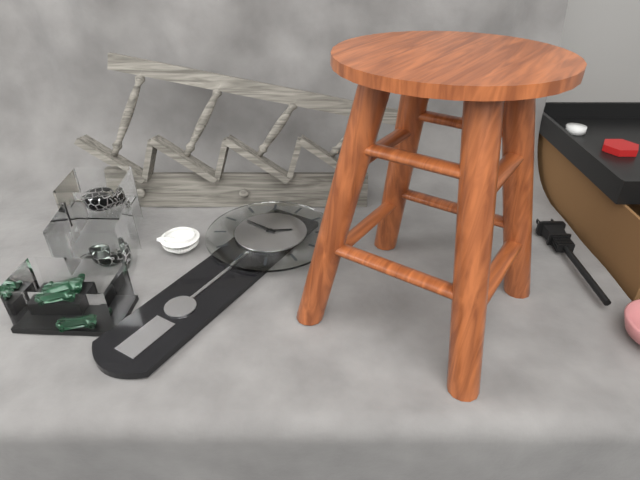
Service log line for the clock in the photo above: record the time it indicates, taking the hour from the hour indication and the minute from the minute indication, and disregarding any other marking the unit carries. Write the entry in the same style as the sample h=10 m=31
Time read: h=1 m=46
